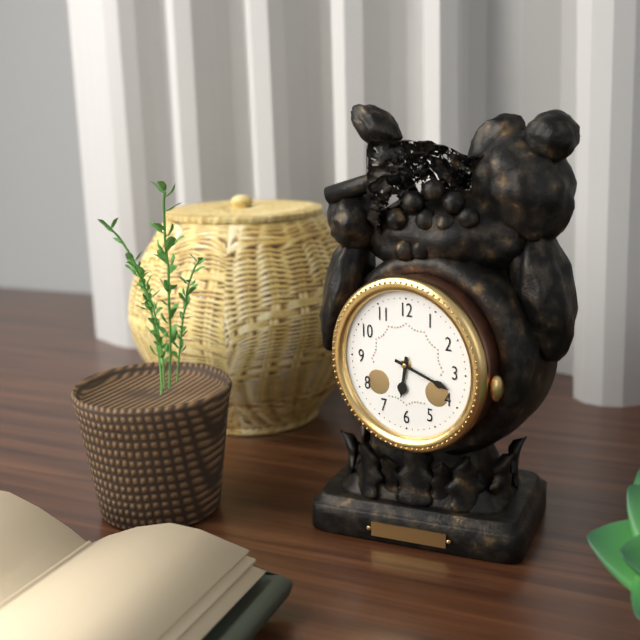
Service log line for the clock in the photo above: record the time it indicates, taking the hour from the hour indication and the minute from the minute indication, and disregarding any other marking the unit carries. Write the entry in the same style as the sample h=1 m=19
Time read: h=6 m=18
